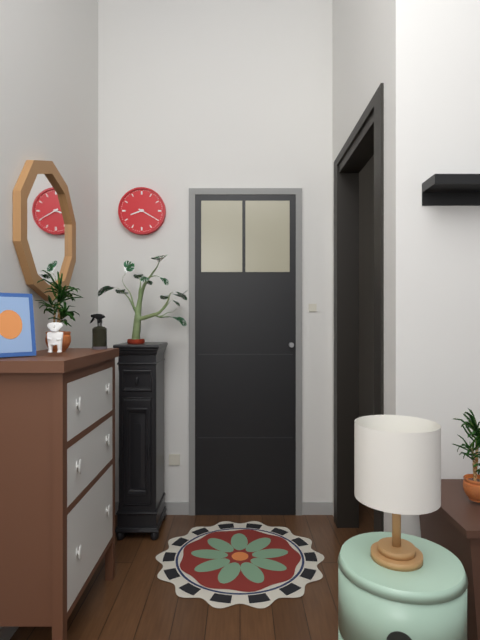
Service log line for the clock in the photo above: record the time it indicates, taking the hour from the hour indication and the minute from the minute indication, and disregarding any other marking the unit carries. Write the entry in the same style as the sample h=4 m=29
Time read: h=8 m=20
